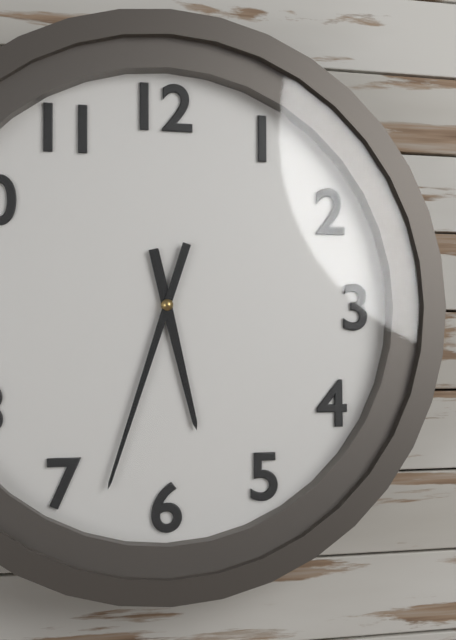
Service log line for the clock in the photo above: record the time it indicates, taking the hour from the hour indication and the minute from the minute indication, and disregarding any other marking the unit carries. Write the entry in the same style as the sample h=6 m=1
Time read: h=5 m=33
